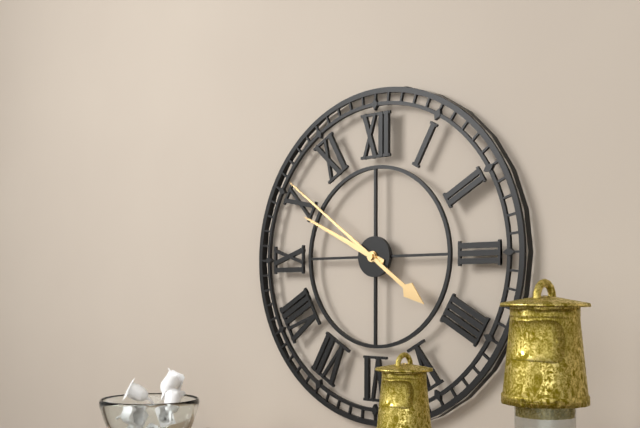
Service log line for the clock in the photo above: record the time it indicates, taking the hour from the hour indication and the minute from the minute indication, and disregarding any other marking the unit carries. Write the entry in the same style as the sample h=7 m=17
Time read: h=9 m=51
